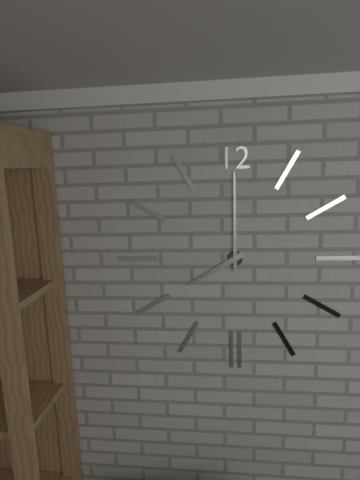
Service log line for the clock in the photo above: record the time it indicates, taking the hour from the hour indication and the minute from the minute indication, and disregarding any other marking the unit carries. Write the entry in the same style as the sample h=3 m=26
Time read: h=8 m=0
